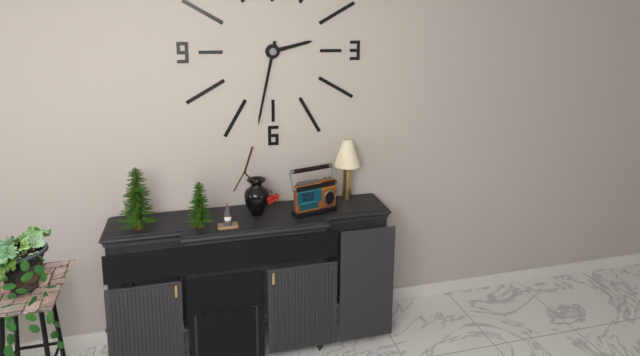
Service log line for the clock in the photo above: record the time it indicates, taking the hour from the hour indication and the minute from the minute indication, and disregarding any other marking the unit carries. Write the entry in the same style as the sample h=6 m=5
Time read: h=2 m=32
